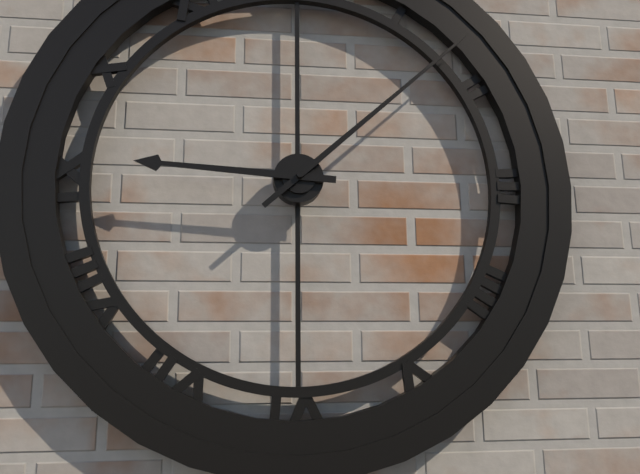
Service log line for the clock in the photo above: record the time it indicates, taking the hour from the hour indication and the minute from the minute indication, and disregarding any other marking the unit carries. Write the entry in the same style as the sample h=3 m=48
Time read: h=9 m=8
